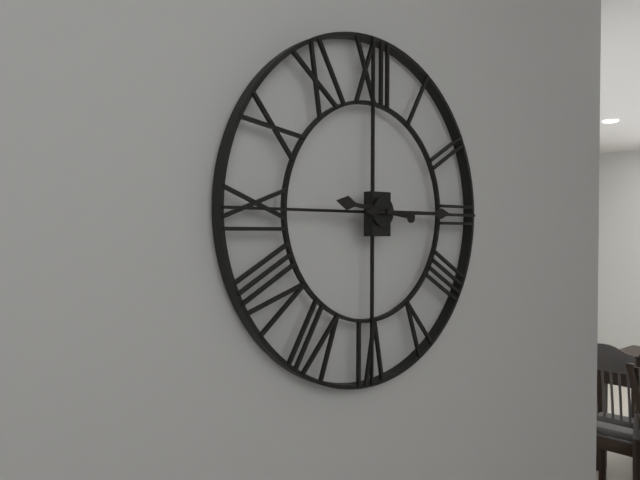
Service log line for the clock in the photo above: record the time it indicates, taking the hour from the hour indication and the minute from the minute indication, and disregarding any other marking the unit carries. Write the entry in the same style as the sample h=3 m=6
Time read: h=9 m=15
